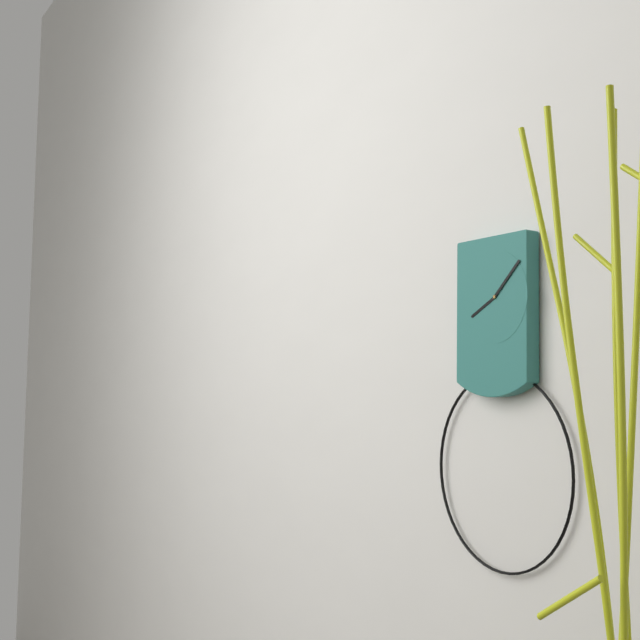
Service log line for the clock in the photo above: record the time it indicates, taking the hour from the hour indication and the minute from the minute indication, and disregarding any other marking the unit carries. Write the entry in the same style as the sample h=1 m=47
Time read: h=8 m=8
